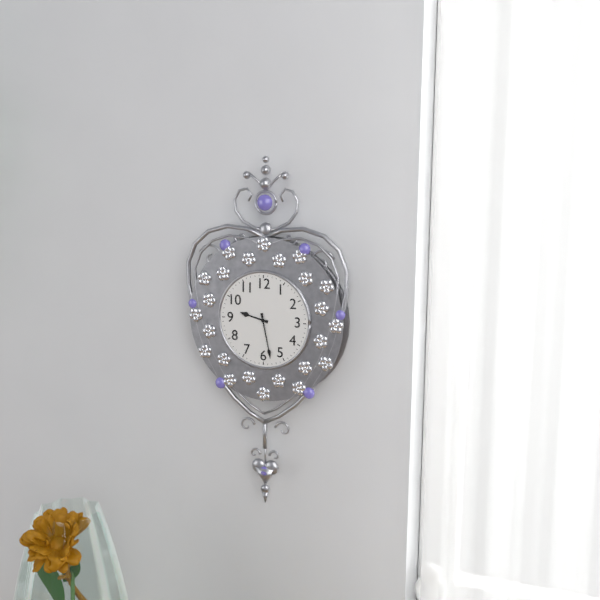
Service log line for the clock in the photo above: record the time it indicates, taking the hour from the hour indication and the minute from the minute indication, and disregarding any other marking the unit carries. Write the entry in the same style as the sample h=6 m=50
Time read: h=9 m=28
